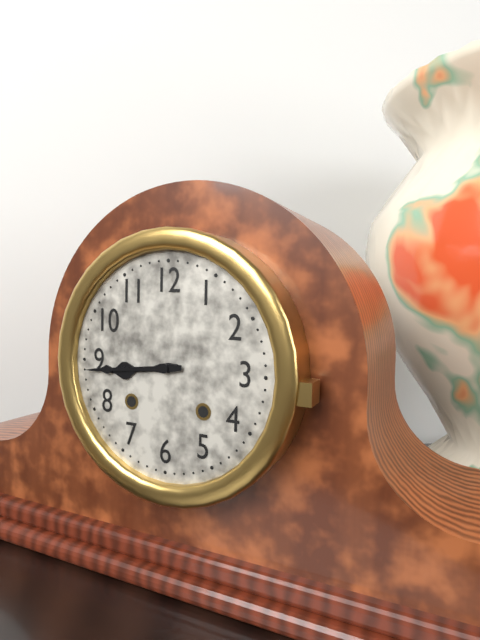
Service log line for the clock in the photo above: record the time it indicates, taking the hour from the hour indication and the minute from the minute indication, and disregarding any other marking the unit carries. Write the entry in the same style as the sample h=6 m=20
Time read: h=8 m=44
